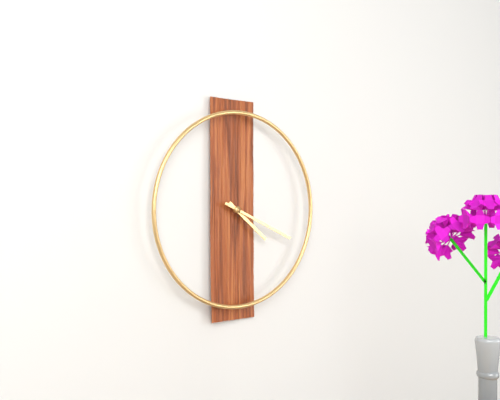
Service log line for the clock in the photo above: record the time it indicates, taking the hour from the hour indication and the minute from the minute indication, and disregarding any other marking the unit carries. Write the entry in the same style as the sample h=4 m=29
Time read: h=4 m=19
